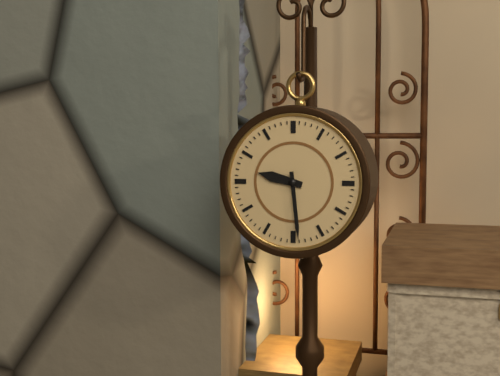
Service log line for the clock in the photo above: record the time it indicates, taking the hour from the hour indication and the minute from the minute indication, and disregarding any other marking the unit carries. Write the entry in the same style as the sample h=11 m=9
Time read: h=9 m=29
